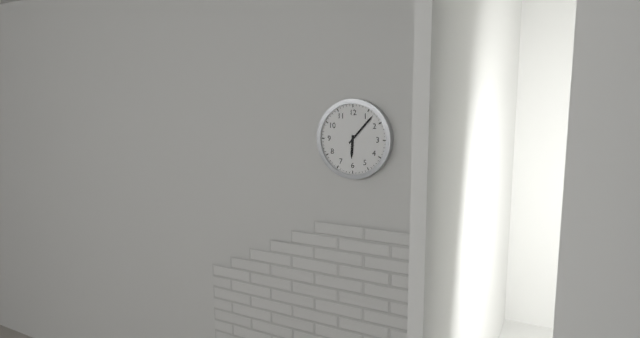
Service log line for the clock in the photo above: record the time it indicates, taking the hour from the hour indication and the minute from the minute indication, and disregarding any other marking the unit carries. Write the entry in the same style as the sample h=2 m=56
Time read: h=6 m=7
